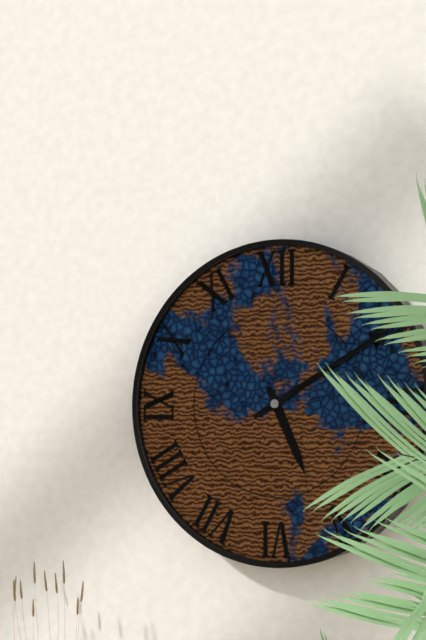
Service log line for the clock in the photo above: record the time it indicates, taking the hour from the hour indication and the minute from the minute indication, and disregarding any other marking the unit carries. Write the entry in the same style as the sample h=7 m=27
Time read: h=5 m=10
